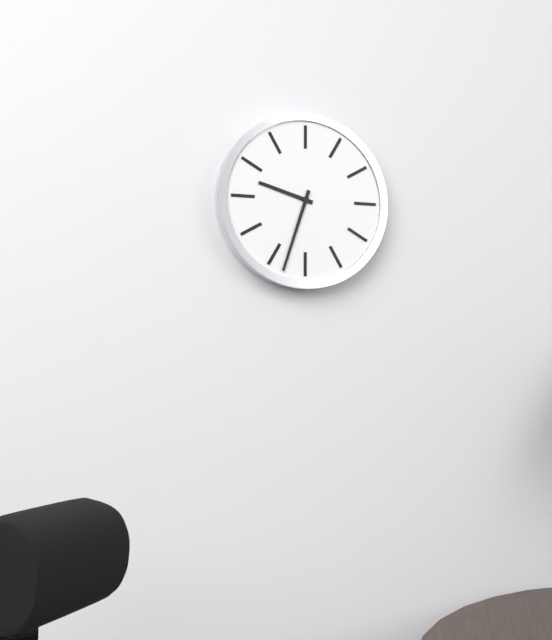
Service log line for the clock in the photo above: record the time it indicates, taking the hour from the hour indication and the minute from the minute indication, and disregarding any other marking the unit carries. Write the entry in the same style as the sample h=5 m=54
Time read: h=9 m=33
